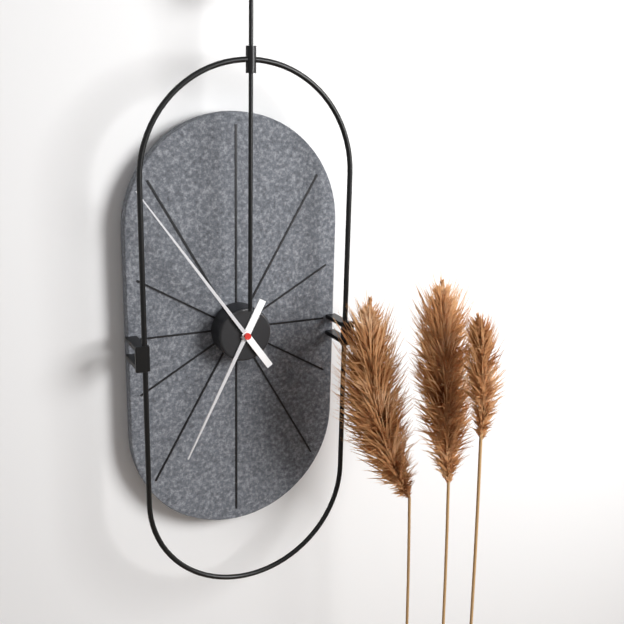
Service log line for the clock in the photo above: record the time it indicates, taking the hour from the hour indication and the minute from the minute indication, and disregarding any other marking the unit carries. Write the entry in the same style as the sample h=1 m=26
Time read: h=6 m=54
